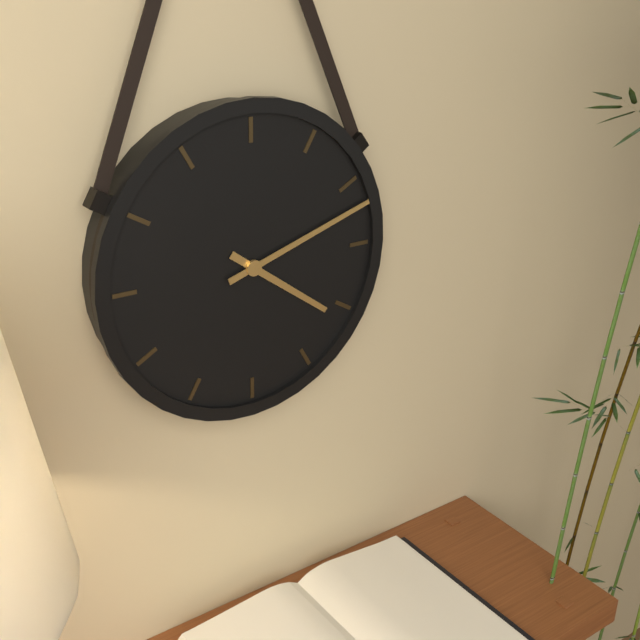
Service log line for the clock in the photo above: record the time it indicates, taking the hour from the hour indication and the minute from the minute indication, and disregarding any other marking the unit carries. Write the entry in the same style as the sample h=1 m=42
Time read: h=4 m=12
